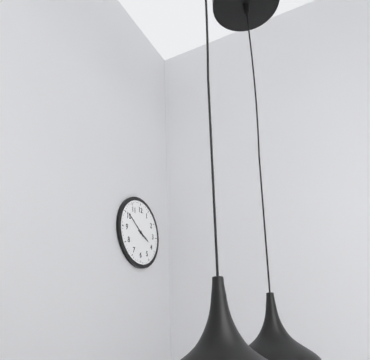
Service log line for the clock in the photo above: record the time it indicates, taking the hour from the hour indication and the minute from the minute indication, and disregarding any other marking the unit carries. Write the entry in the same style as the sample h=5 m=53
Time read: h=3 m=51
